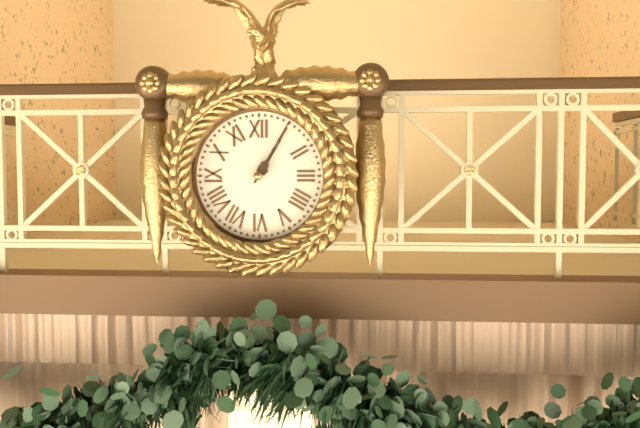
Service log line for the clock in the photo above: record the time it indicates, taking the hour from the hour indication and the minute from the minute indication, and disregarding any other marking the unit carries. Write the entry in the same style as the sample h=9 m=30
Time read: h=1 m=5
